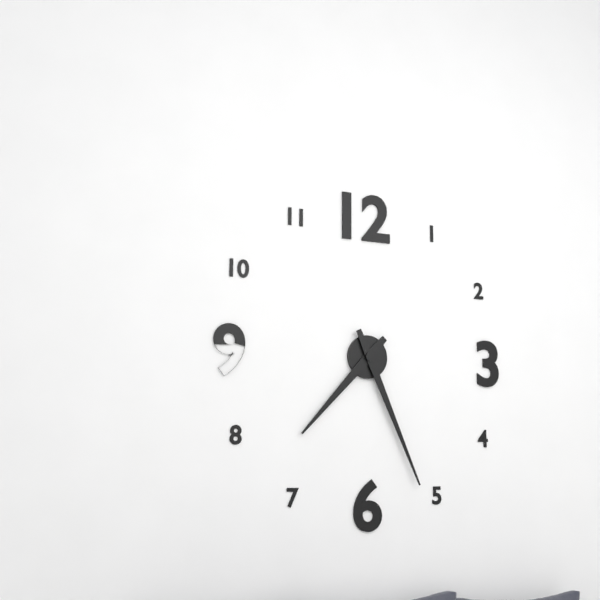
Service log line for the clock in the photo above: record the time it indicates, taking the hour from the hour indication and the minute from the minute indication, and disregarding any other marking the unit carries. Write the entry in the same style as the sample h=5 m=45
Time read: h=7 m=26
